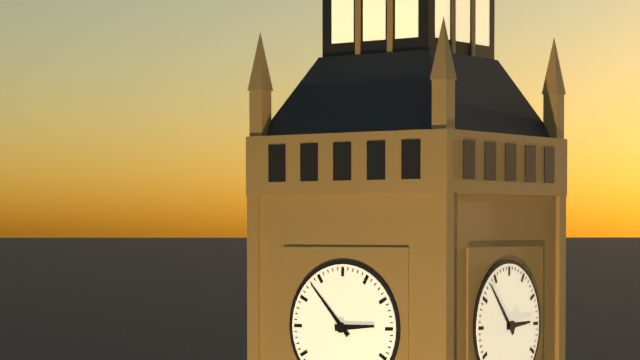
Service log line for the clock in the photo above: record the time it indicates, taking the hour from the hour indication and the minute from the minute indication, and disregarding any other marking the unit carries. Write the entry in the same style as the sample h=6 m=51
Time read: h=2 m=53
